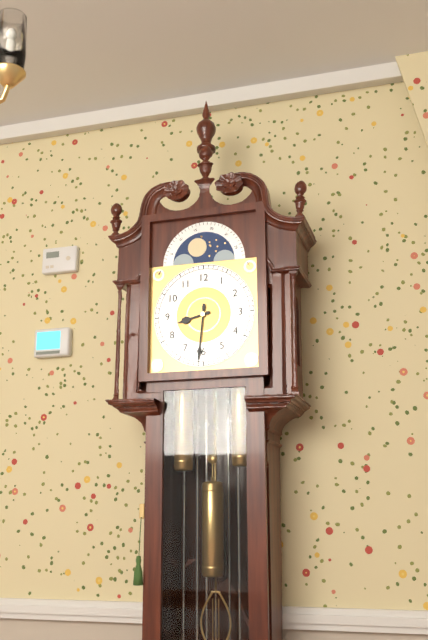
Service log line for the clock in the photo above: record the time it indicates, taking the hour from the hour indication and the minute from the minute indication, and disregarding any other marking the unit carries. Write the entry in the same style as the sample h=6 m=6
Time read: h=8 m=31
